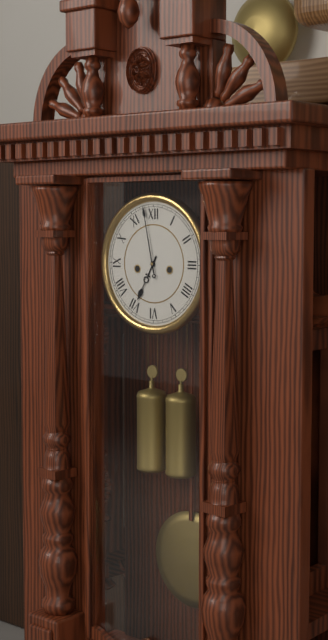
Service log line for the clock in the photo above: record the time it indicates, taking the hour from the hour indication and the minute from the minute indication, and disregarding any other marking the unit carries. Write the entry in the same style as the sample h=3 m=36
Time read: h=6 m=58
